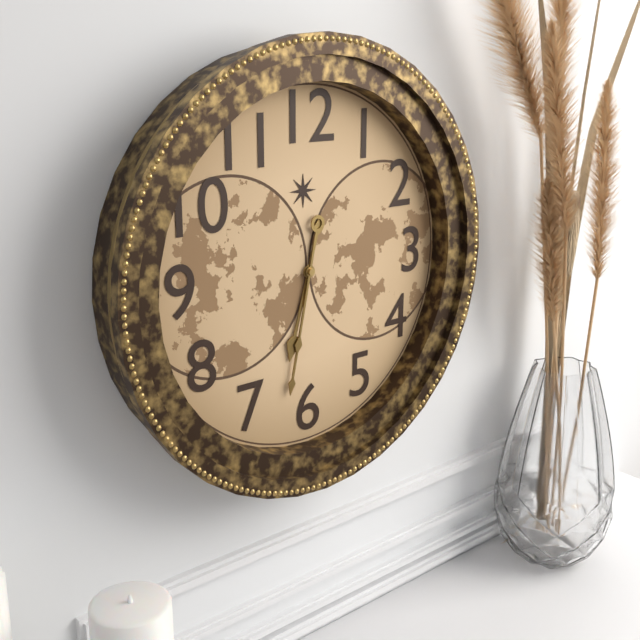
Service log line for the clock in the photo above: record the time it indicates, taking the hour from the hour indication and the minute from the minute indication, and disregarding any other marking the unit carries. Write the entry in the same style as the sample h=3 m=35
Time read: h=6 m=32
